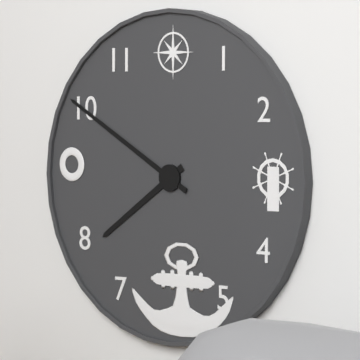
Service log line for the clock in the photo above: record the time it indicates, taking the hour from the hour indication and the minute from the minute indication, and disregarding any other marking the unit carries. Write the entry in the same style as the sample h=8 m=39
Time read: h=7 m=50
